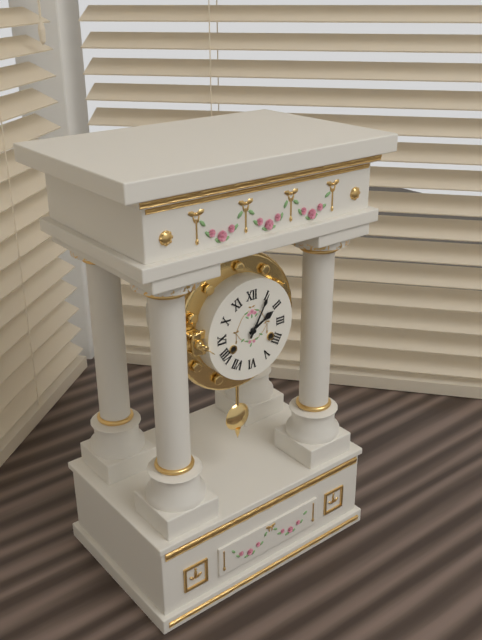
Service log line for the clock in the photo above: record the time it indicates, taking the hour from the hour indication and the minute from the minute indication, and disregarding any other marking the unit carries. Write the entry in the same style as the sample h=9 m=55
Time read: h=2 m=5
